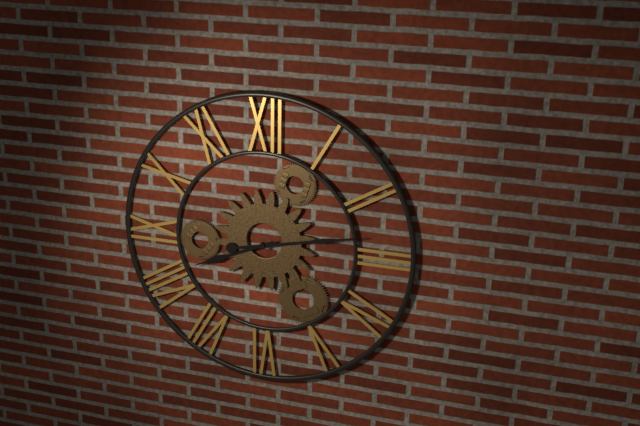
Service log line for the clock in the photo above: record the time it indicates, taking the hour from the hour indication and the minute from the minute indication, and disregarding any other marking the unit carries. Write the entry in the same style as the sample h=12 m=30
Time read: h=8 m=13
